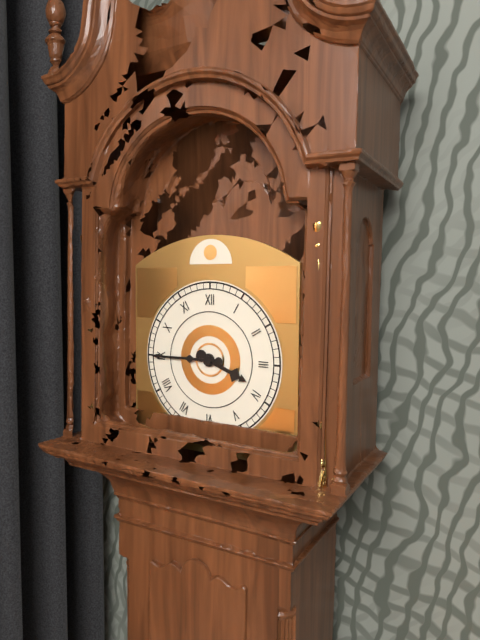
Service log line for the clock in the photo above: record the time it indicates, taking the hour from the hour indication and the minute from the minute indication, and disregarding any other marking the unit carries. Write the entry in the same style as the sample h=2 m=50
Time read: h=3 m=45
